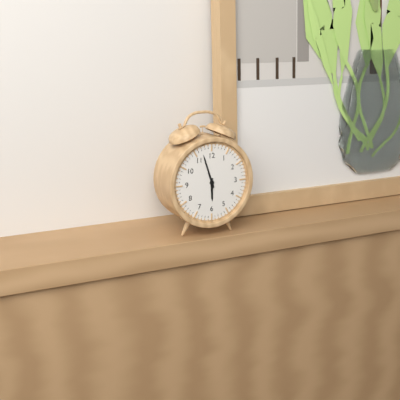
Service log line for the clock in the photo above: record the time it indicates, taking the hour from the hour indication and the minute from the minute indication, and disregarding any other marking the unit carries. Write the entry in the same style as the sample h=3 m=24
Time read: h=5 m=57
